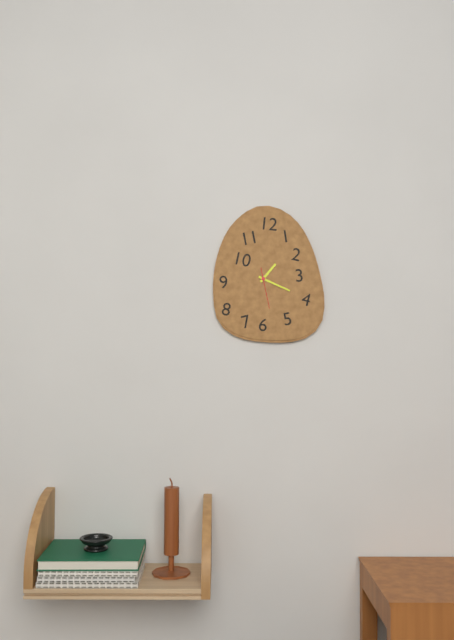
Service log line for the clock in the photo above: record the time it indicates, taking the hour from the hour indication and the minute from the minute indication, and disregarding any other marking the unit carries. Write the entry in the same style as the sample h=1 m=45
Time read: h=1 m=19
